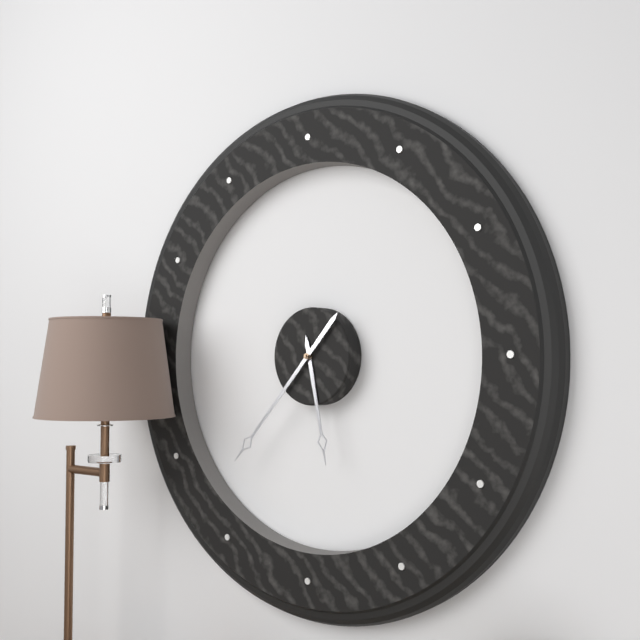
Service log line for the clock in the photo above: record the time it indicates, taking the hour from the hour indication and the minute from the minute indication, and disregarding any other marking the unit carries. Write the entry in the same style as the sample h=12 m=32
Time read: h=5 m=37
